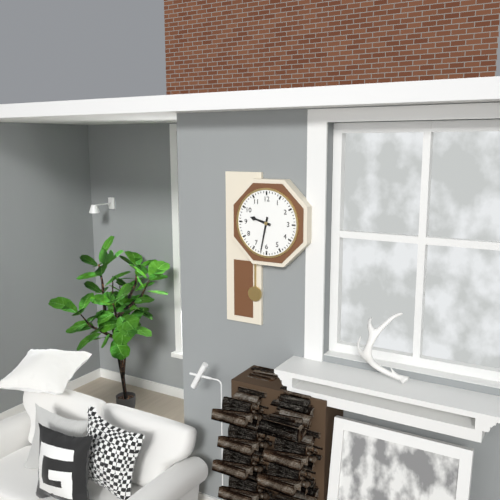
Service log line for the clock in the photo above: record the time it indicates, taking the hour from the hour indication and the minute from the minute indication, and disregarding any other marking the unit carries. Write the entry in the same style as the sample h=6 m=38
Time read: h=9 m=32
